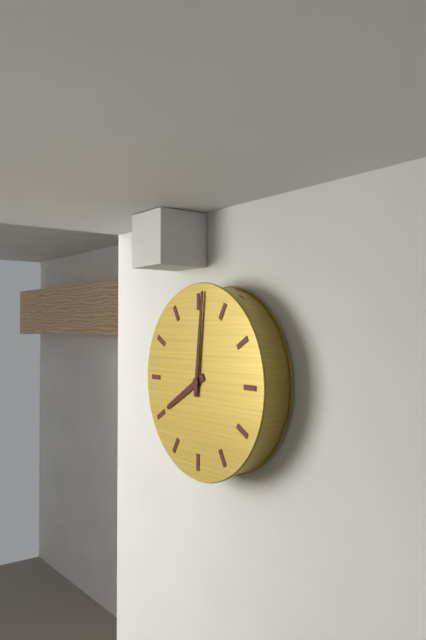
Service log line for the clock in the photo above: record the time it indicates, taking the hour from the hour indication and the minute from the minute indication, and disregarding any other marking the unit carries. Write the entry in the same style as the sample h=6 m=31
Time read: h=8 m=1
